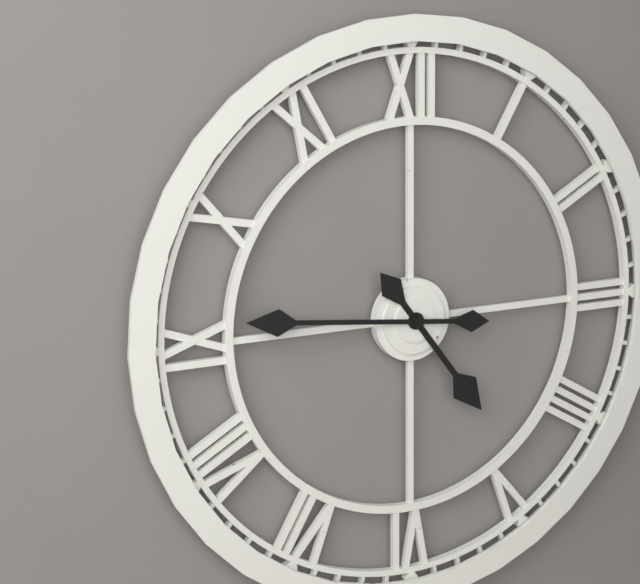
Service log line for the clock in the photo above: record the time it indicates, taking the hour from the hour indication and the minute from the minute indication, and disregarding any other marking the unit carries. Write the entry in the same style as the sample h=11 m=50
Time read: h=4 m=46
